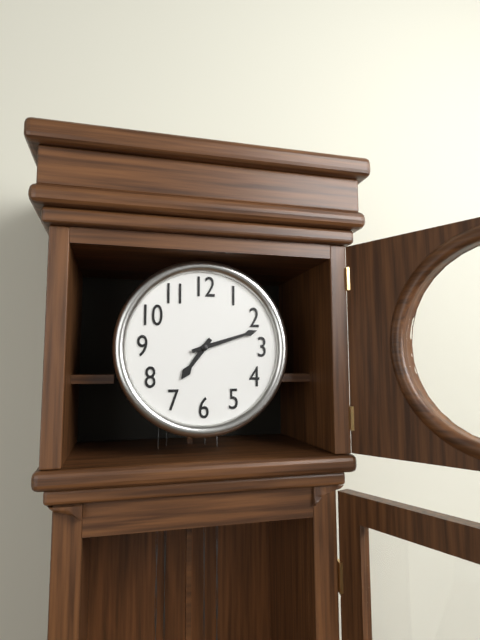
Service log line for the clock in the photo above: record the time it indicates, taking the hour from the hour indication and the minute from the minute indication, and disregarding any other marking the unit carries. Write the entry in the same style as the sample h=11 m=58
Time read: h=7 m=12
